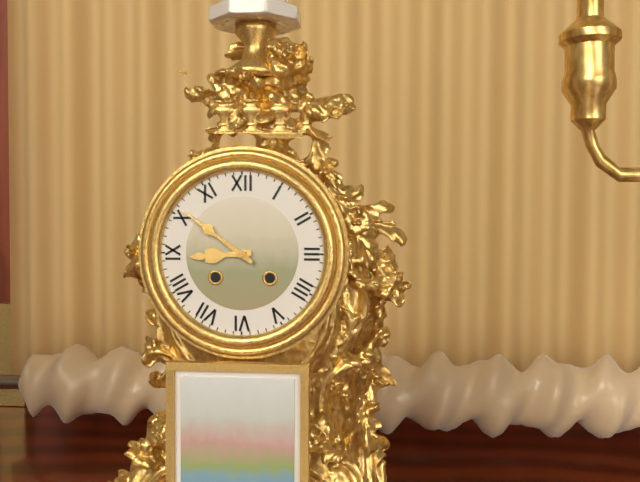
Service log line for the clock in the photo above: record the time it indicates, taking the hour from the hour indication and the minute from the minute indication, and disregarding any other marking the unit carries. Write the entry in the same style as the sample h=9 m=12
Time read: h=8 m=51
